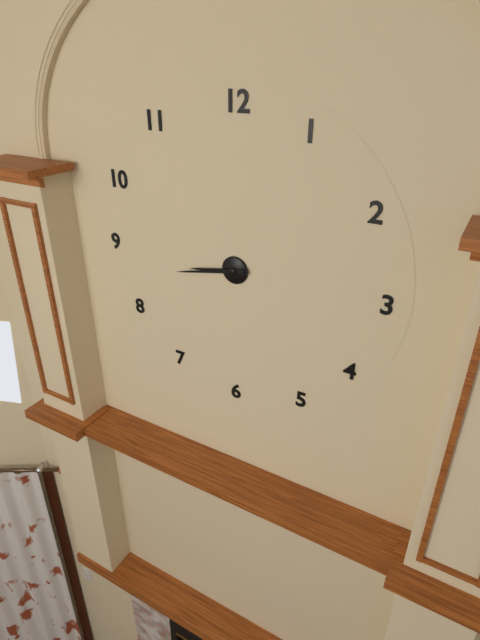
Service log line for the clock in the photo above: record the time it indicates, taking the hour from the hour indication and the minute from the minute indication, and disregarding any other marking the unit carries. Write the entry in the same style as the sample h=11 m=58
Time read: h=8 m=43
